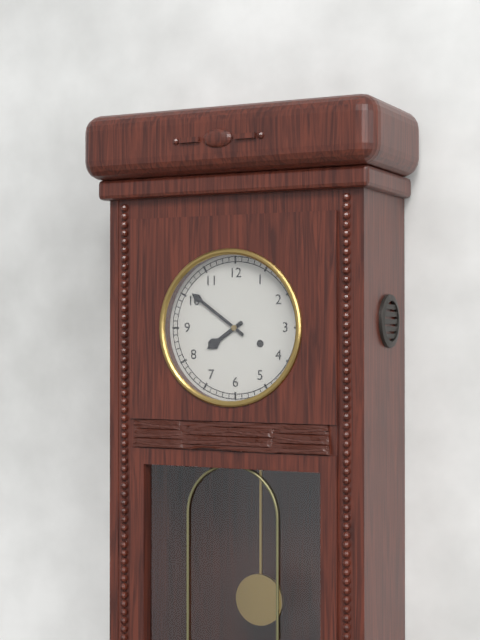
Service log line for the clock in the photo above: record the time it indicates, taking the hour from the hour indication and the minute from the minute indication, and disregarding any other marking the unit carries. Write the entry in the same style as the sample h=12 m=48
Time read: h=7 m=51
